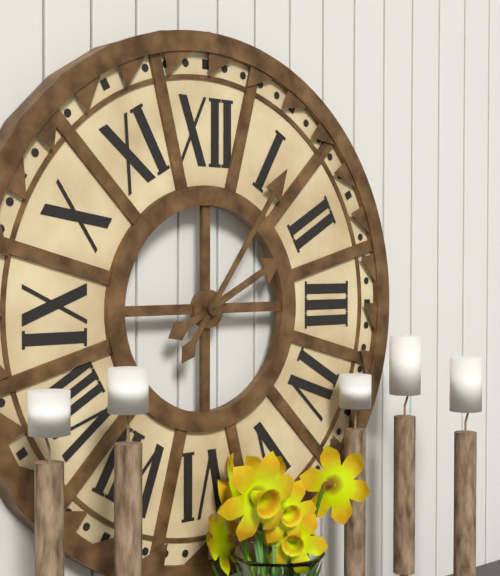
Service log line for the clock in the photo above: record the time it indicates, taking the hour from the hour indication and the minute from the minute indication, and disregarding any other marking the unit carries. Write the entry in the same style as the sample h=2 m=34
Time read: h=2 m=6
